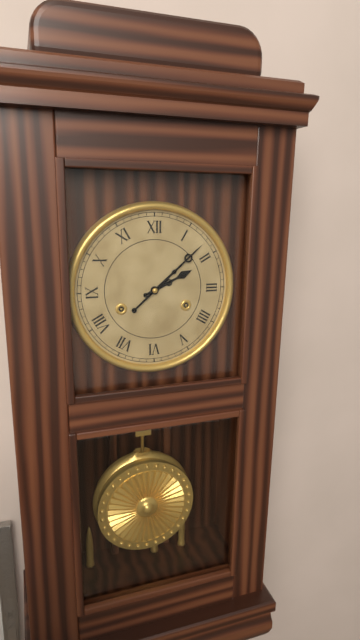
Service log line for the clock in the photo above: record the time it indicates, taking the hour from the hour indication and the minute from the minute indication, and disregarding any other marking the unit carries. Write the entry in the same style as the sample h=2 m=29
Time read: h=2 m=8
